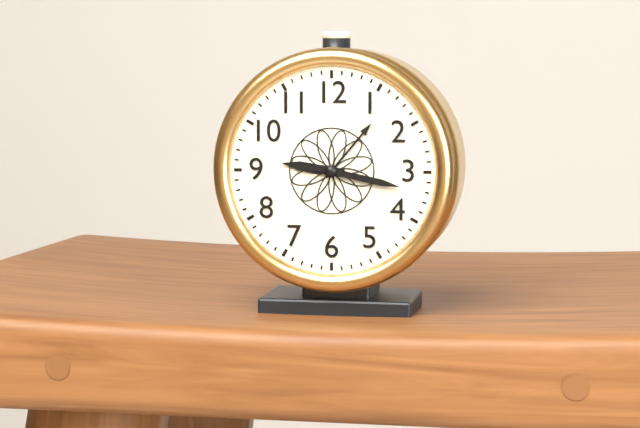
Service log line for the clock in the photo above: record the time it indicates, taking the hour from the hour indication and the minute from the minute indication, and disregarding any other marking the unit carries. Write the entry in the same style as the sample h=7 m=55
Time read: h=9 m=17
